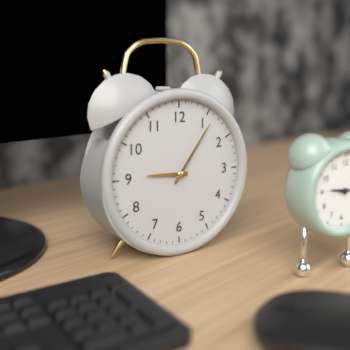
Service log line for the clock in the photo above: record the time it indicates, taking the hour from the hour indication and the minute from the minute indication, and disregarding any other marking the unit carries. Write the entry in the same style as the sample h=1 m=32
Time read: h=9 m=6
